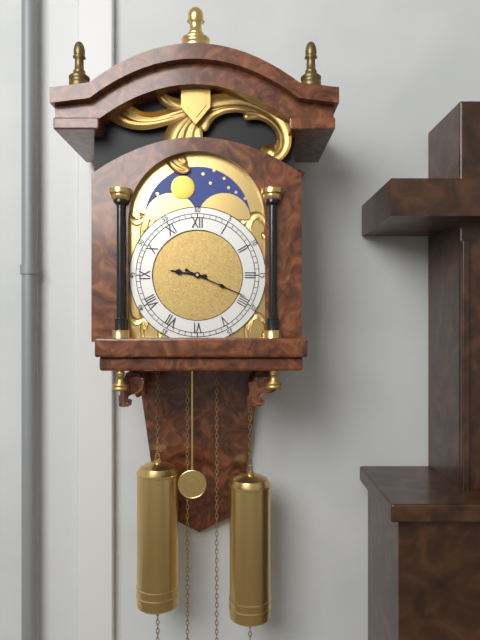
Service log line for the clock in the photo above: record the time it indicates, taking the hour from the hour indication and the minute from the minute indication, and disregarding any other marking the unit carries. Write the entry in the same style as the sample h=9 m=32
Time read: h=9 m=19
